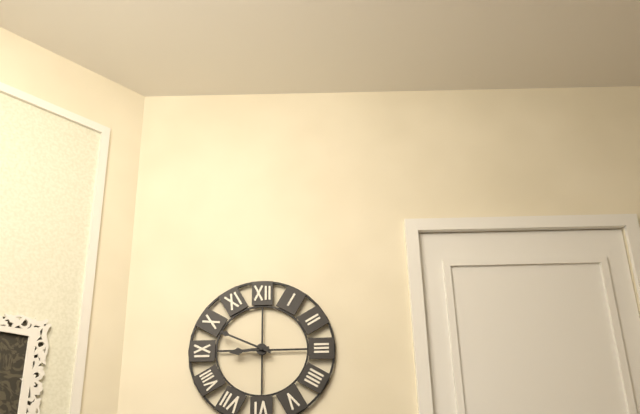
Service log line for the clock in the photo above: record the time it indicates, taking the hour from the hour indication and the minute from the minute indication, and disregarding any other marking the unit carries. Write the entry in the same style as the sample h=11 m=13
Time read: h=8 m=49
